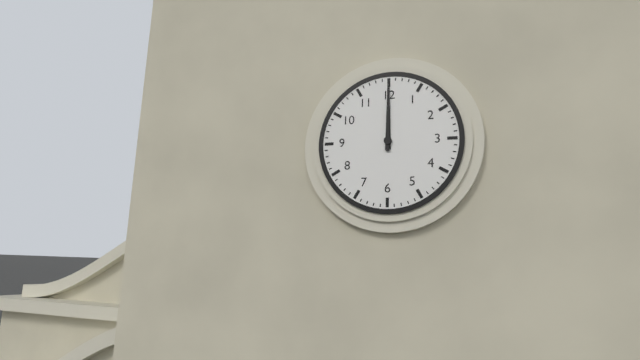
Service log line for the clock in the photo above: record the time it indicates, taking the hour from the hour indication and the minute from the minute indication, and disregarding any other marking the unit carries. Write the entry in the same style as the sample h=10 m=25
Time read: h=12 m=0
